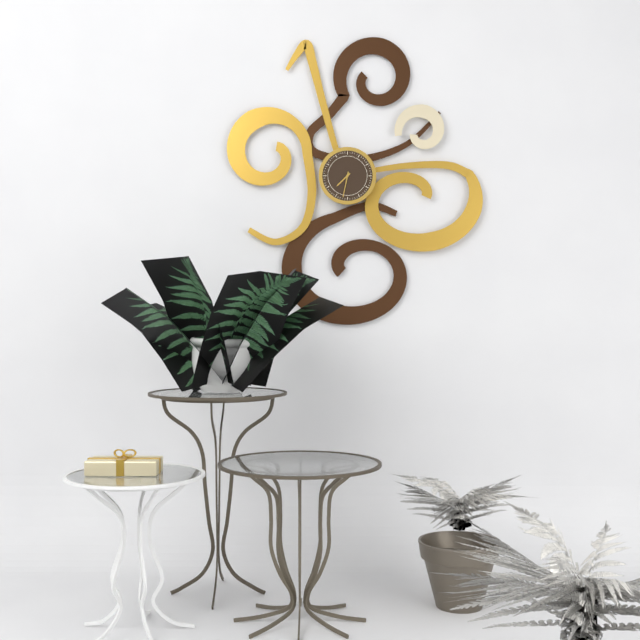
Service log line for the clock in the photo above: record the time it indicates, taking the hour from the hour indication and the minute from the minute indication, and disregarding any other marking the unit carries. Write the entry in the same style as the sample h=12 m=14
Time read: h=7 m=32
